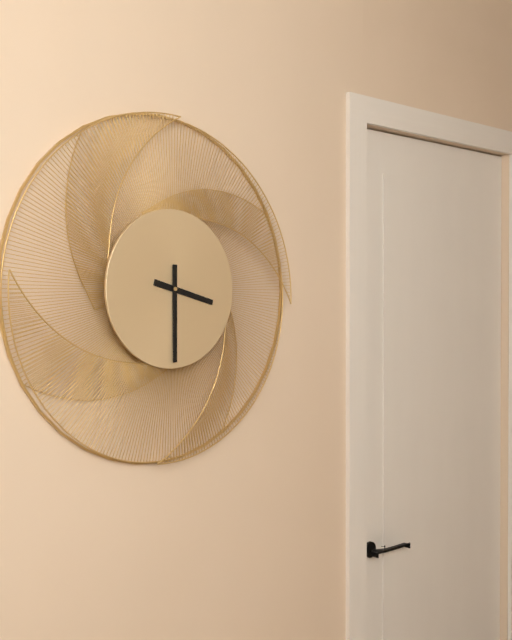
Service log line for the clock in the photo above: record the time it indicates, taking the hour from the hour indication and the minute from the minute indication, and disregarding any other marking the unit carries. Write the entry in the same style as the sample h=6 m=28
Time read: h=3 m=30
